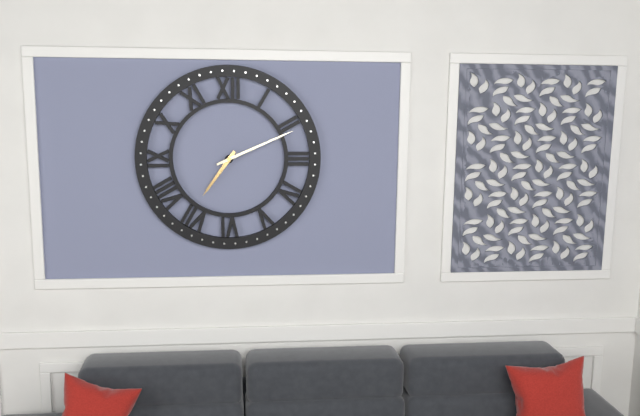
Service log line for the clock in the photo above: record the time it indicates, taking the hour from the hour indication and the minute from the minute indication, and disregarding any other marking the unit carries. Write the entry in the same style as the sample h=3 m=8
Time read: h=7 m=11
